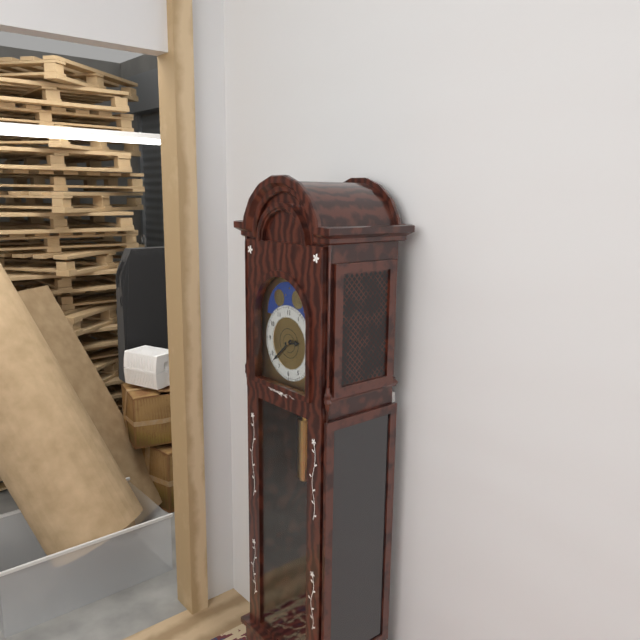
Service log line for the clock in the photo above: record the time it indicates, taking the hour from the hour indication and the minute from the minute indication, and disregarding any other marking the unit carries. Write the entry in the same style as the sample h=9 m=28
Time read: h=2 m=38
